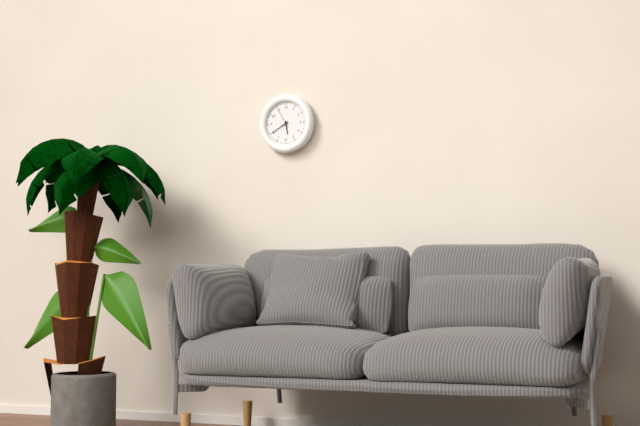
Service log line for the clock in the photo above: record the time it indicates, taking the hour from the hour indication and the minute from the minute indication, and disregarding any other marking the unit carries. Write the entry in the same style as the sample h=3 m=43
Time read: h=5 m=40
